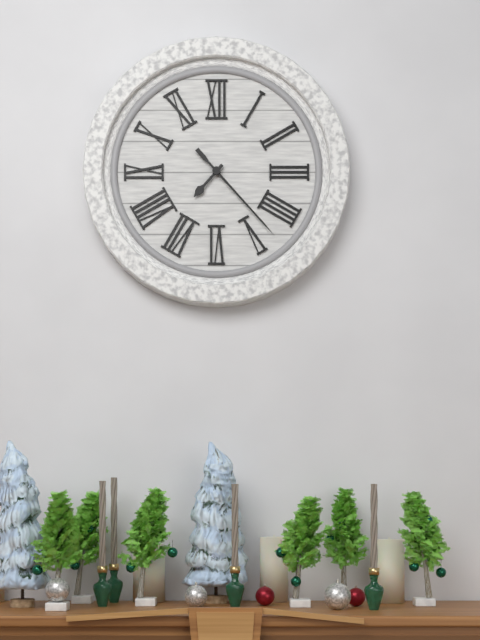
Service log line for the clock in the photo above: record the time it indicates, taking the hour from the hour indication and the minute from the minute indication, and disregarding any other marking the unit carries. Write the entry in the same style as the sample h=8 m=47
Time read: h=7 m=23
